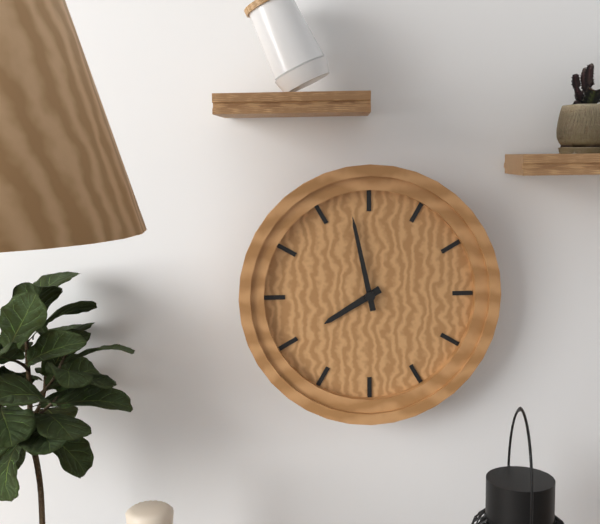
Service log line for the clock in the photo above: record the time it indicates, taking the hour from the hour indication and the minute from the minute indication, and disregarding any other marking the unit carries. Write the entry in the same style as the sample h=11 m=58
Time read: h=7 m=58
